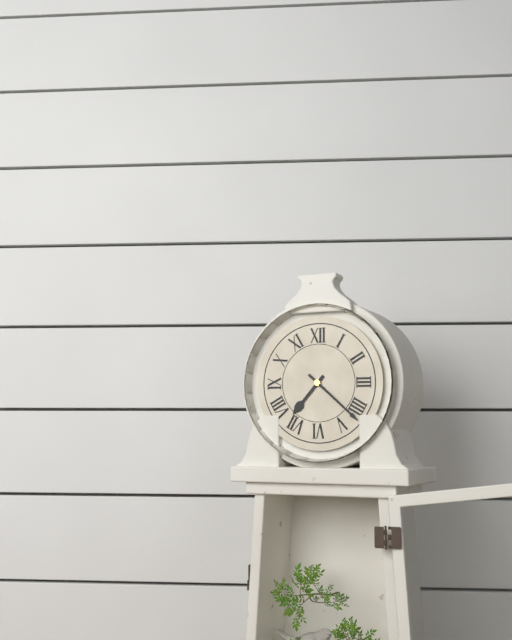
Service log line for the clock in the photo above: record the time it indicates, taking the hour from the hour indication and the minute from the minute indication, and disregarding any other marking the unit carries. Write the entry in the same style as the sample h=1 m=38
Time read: h=7 m=22
